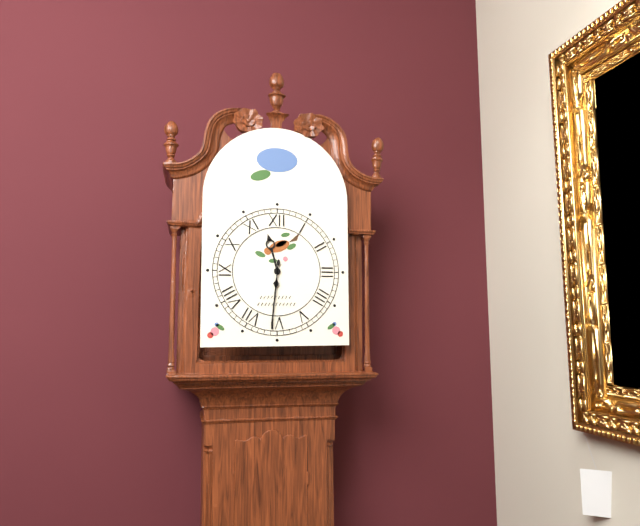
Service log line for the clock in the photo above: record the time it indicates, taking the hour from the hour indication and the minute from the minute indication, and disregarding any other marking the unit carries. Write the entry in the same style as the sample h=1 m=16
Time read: h=11 m=31
